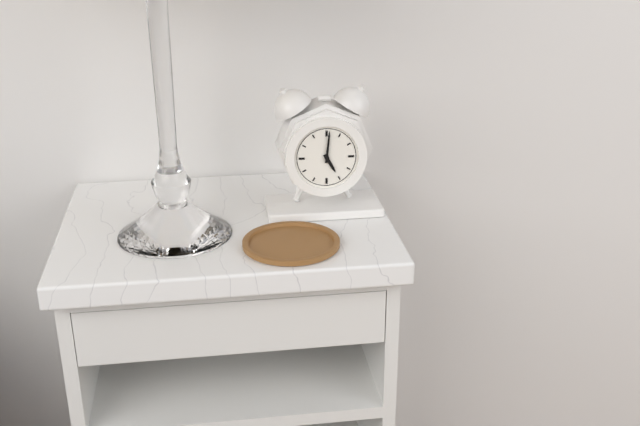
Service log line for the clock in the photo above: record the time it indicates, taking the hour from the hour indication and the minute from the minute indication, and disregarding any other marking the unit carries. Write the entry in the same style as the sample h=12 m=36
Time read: h=5 m=1
